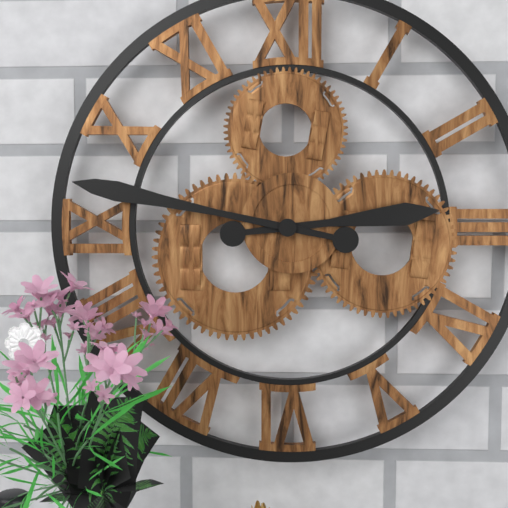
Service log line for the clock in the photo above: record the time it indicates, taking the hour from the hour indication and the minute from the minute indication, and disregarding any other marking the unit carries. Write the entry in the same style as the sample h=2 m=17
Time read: h=2 m=47
